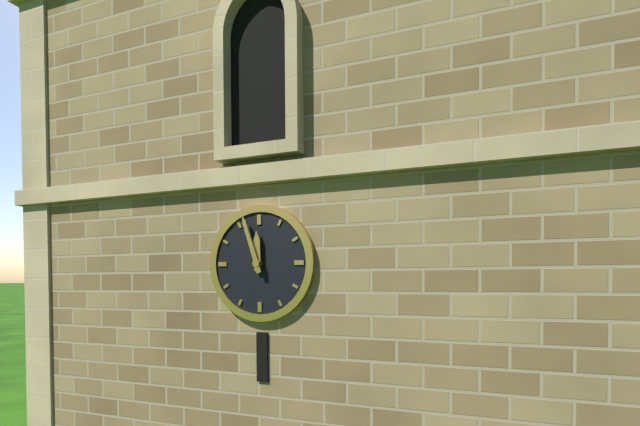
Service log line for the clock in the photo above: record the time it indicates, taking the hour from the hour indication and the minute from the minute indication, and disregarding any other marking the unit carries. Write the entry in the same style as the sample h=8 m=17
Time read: h=11 m=57
